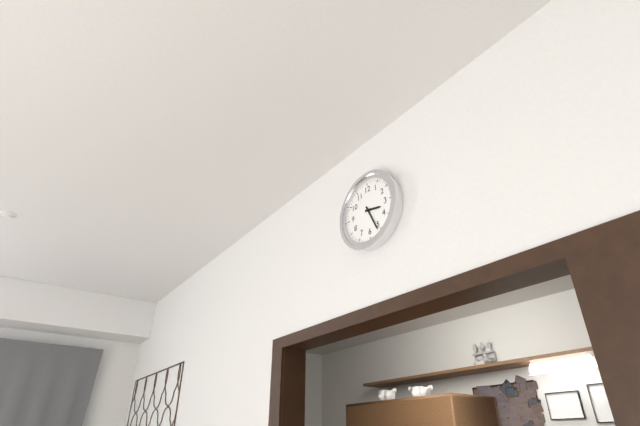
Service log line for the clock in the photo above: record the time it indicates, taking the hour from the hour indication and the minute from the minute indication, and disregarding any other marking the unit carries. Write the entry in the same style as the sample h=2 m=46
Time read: h=3 m=26
